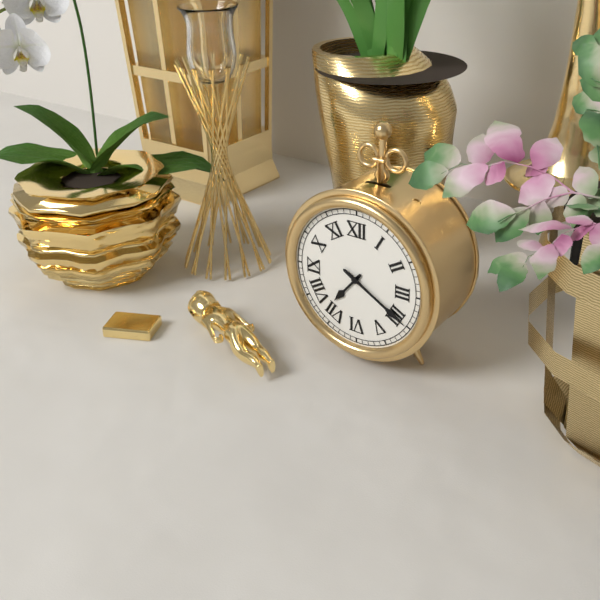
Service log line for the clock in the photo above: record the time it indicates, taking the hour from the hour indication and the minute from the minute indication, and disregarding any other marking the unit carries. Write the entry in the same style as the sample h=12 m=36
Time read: h=7 m=20
